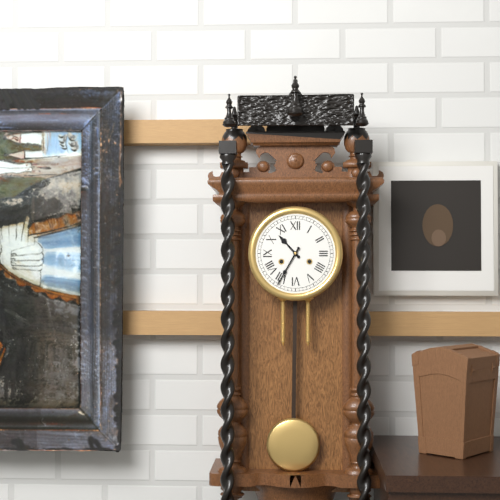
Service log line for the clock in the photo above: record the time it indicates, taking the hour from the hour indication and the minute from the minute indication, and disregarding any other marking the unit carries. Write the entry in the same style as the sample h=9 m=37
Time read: h=10 m=35
